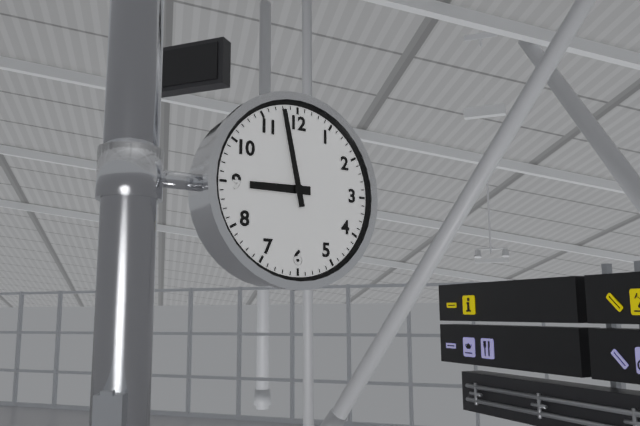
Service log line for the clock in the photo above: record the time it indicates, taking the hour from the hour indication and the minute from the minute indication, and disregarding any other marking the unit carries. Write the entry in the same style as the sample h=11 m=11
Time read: h=8 m=58
